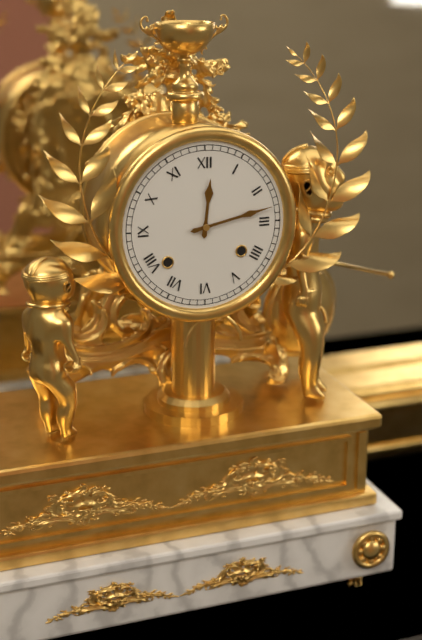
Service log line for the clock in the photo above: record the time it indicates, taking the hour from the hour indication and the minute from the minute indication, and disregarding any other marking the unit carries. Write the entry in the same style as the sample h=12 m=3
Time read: h=12 m=13
